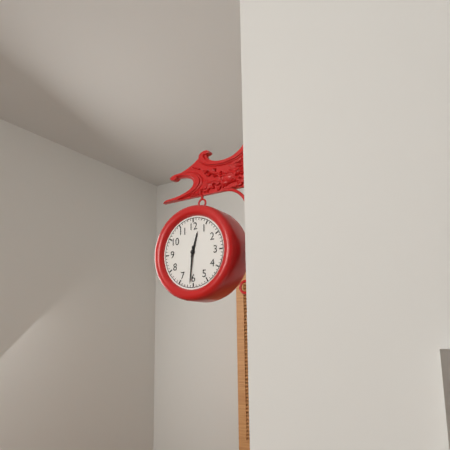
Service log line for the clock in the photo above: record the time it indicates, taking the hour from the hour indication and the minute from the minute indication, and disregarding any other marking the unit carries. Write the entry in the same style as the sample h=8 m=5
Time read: h=12 m=31
